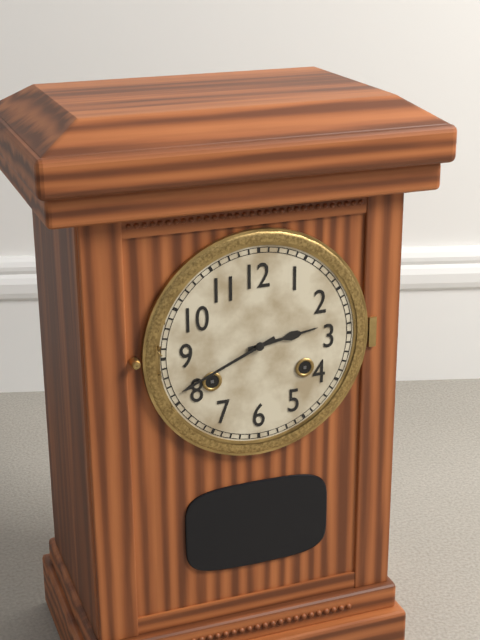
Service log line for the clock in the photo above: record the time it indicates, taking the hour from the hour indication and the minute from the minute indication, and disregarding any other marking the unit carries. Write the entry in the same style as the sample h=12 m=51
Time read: h=2 m=41
